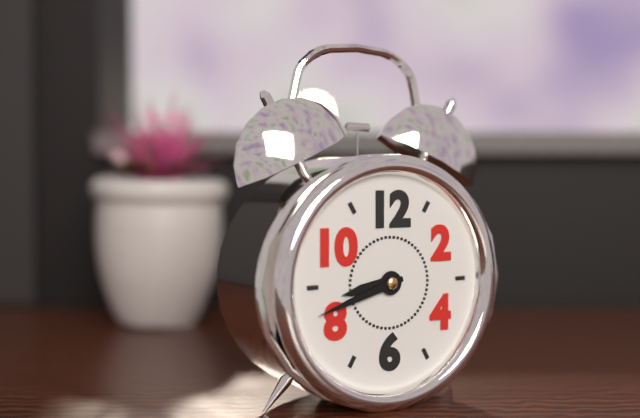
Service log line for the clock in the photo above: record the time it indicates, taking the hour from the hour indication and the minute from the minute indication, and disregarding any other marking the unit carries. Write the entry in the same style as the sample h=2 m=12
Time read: h=8 m=42
